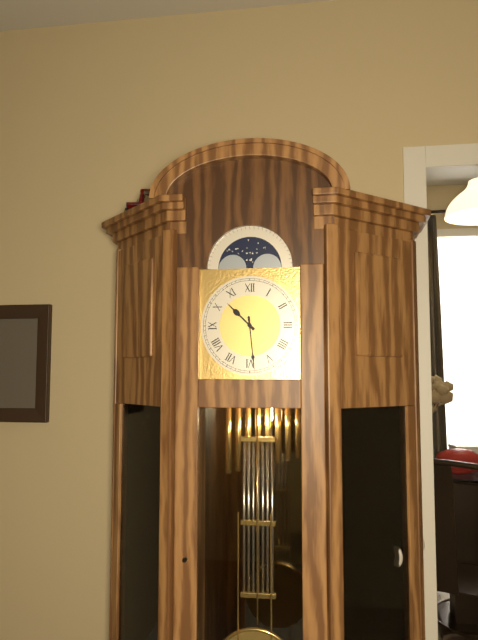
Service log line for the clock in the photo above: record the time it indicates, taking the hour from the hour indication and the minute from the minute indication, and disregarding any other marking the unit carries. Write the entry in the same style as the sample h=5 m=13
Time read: h=10 m=29
